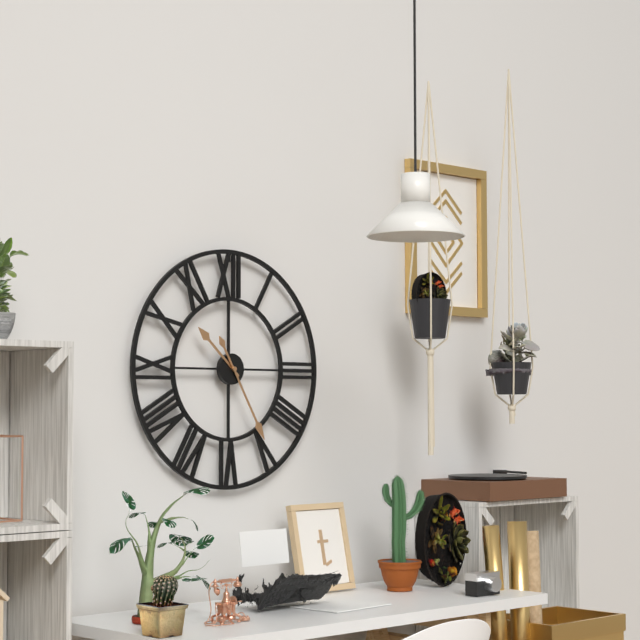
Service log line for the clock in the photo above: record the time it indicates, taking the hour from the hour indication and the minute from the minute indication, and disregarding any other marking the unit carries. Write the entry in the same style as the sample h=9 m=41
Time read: h=10 m=25
